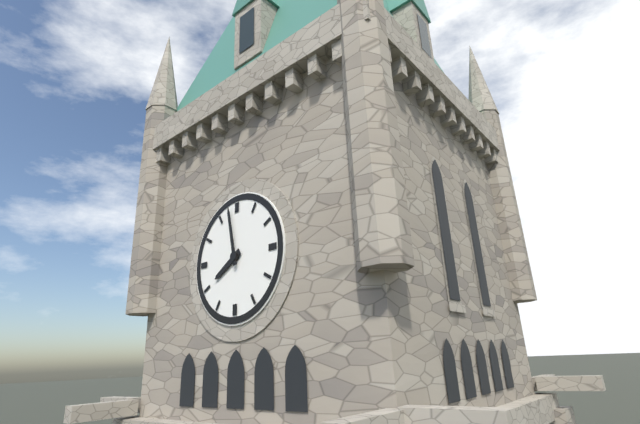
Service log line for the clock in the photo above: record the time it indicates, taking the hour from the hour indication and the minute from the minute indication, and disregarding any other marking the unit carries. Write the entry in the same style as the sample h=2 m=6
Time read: h=7 m=58
